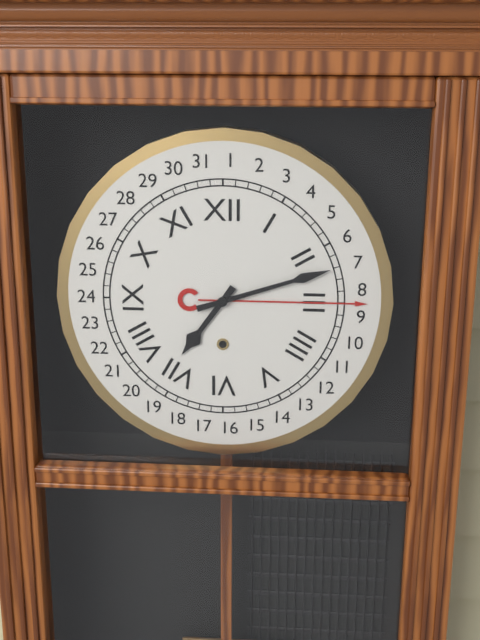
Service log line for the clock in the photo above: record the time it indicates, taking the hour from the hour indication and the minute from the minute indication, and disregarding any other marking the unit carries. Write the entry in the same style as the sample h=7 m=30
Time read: h=7 m=12
